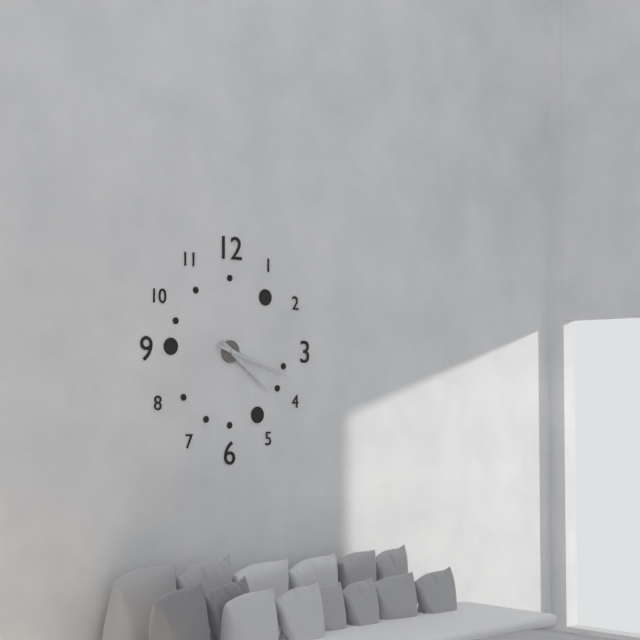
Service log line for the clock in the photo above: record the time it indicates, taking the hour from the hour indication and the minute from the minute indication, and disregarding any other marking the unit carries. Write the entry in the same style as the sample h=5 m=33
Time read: h=4 m=18
